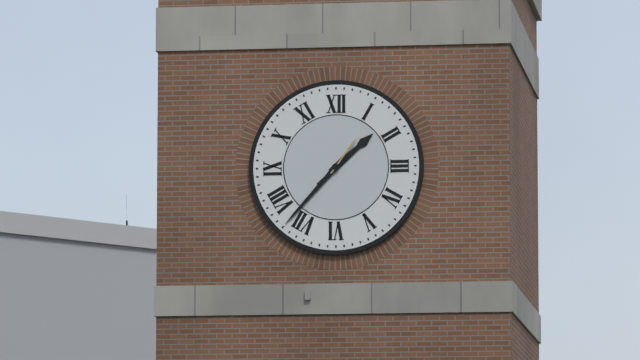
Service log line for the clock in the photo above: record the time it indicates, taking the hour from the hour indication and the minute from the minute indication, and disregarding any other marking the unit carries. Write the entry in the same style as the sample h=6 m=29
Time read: h=1 m=37
